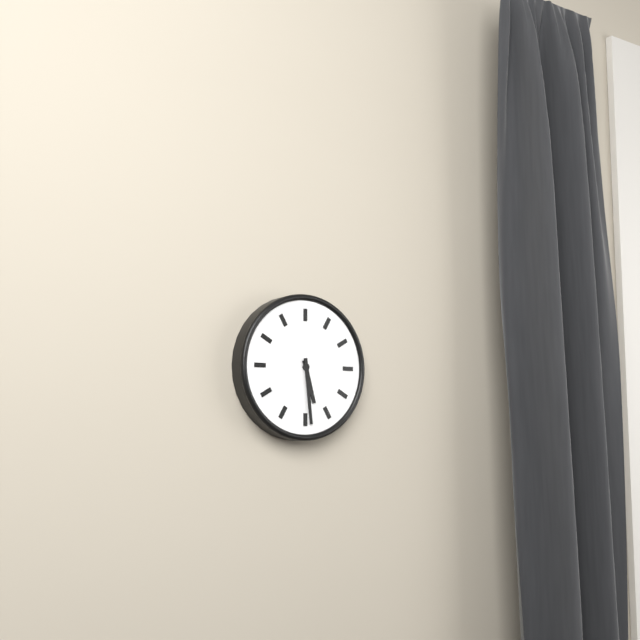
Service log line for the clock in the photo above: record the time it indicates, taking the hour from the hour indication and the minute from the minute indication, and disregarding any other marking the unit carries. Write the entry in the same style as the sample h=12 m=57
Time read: h=5 m=29
